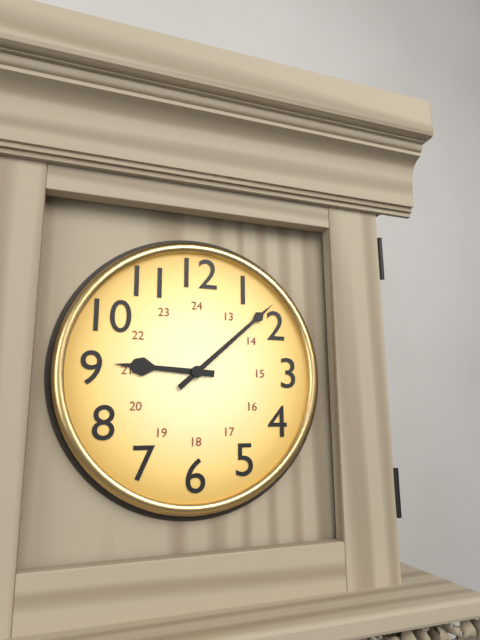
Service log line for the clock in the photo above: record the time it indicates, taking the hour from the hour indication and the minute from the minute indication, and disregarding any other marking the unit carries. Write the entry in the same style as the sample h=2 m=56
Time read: h=9 m=8
